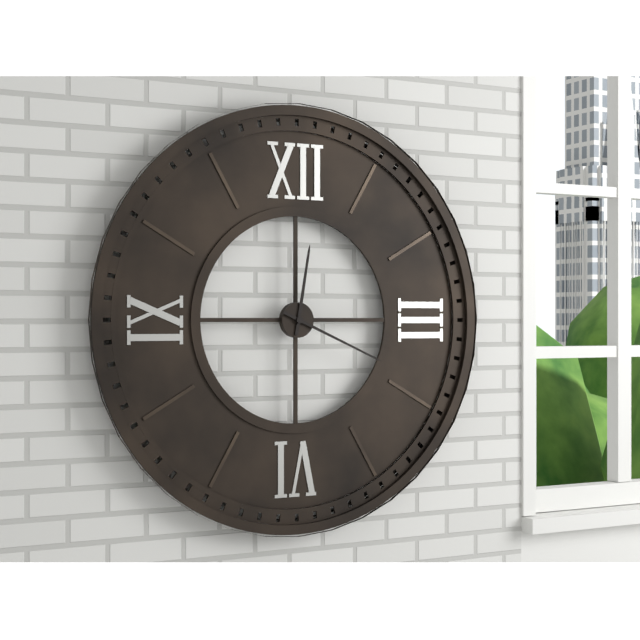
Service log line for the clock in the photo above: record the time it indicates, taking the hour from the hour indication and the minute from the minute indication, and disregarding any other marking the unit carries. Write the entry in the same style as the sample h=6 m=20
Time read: h=12 m=19
